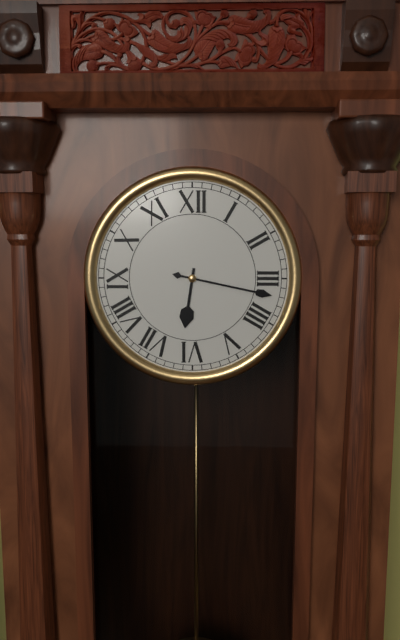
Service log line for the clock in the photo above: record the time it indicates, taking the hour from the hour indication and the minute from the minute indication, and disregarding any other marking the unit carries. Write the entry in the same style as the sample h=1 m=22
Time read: h=6 m=17
